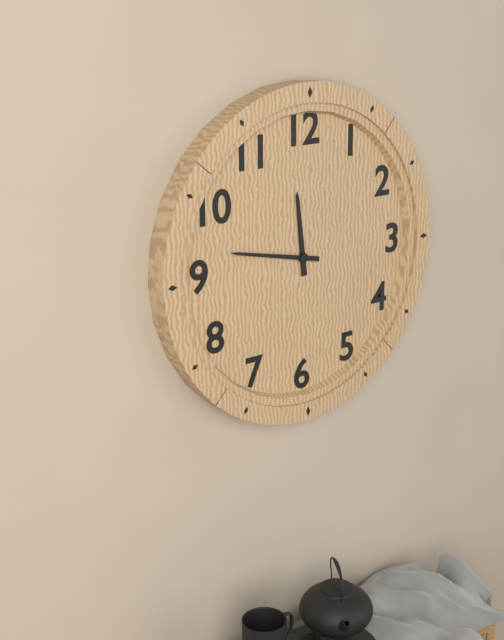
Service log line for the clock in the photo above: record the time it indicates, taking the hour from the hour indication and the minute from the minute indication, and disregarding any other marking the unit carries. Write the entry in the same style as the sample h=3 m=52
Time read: h=11 m=47
